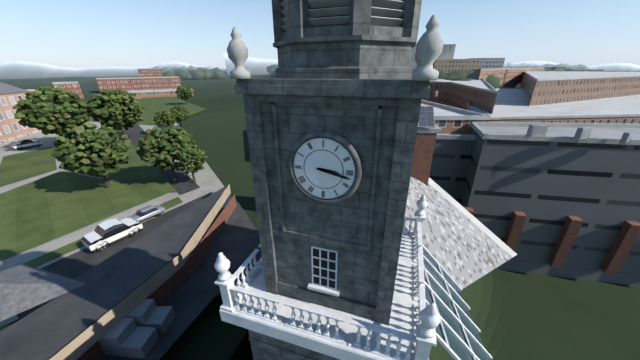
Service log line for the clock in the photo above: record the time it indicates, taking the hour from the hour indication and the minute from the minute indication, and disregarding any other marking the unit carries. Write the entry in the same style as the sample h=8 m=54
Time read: h=3 m=17
